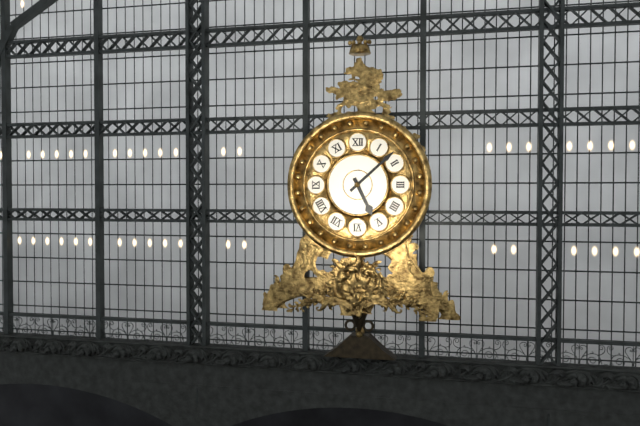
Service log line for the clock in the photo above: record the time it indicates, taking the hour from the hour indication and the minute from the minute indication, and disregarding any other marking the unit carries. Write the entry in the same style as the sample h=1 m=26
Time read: h=5 m=8
